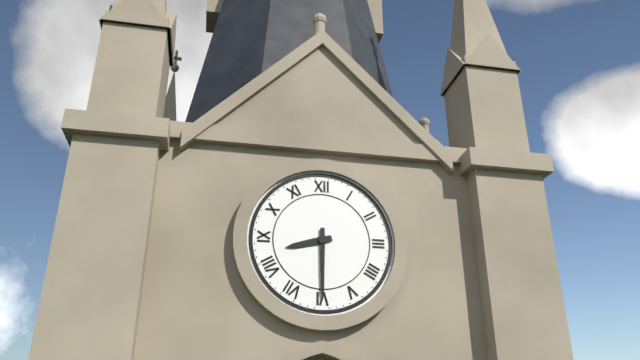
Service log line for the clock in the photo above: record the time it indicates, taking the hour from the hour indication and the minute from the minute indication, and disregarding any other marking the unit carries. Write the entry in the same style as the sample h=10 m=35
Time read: h=8 m=30
